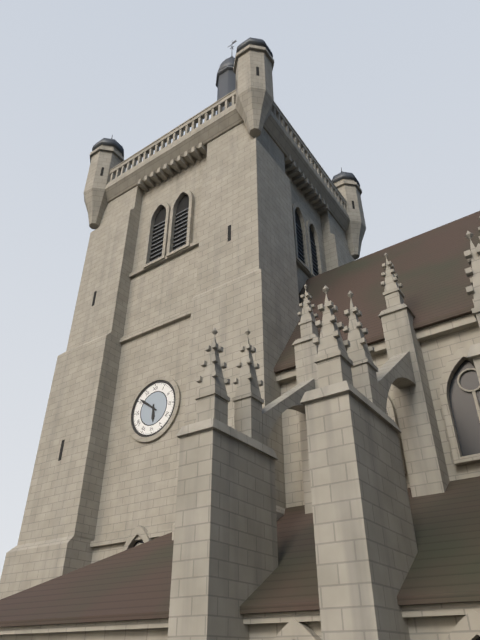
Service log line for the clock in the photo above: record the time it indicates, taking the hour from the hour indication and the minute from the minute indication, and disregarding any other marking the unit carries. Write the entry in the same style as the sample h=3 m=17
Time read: h=5 m=51
